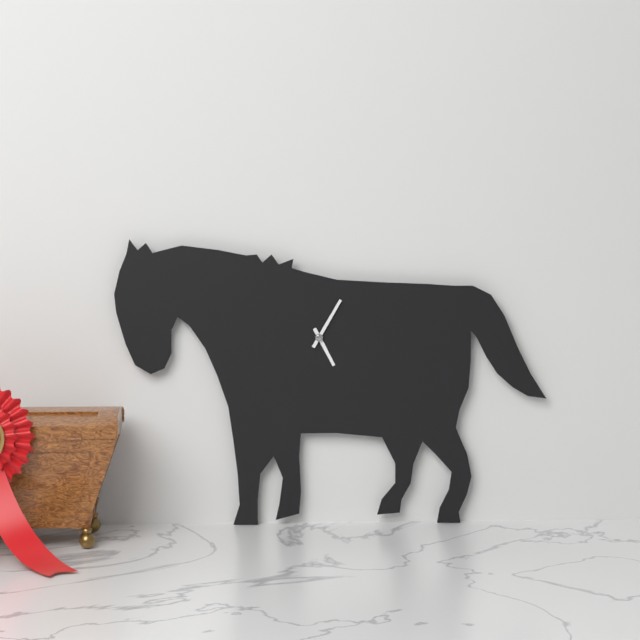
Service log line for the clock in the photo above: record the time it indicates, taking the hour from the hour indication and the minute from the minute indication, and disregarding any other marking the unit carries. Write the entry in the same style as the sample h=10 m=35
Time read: h=5 m=5
